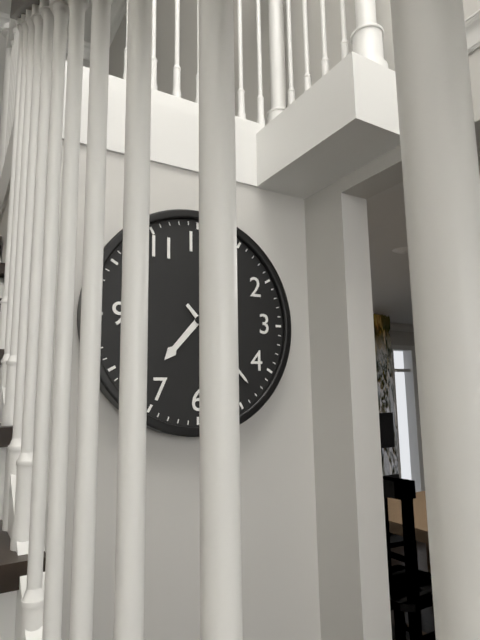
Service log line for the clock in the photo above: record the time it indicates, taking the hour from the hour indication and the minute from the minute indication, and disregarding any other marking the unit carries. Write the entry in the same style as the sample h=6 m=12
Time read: h=7 m=23
